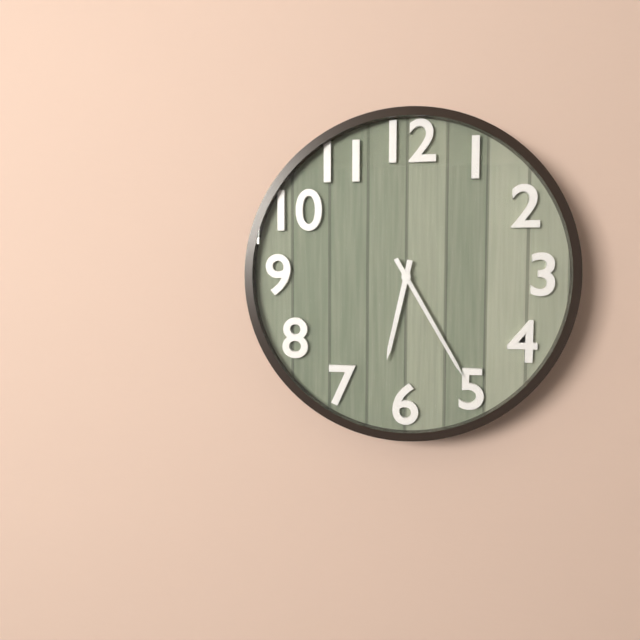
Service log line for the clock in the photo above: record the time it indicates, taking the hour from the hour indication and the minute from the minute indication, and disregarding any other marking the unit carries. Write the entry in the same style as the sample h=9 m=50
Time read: h=6 m=25
